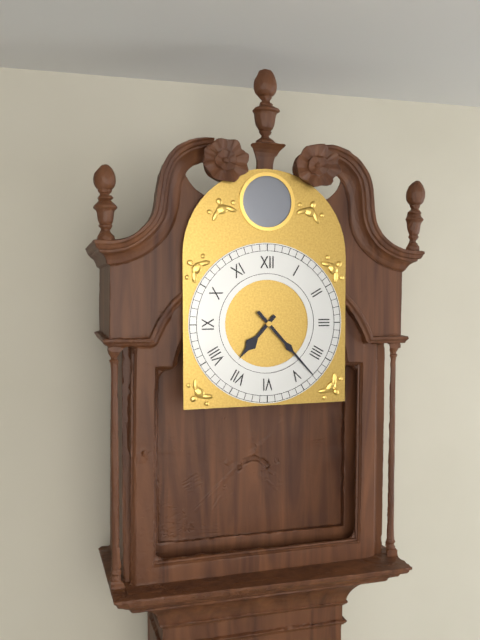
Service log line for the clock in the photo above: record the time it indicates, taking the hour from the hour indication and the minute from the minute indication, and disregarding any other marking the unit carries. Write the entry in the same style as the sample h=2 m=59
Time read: h=7 m=23
